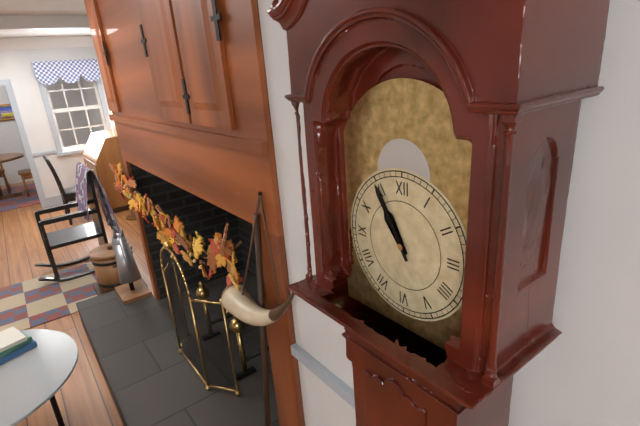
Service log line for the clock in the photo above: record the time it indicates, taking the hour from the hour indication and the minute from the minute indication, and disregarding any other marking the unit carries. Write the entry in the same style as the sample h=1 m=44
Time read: h=10 m=55
